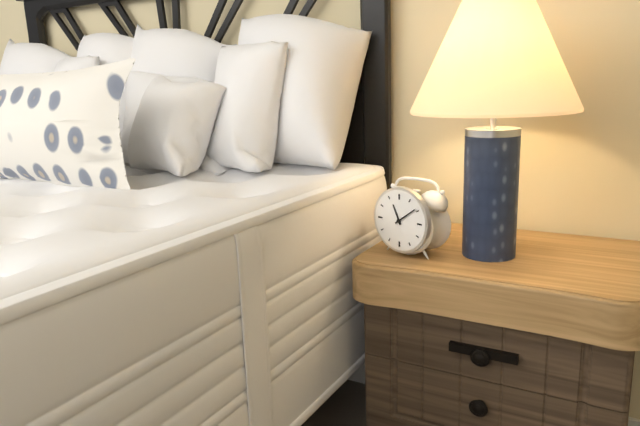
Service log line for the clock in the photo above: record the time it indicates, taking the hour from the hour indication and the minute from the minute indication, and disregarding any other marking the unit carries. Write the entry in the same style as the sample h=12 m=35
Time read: h=11 m=9
